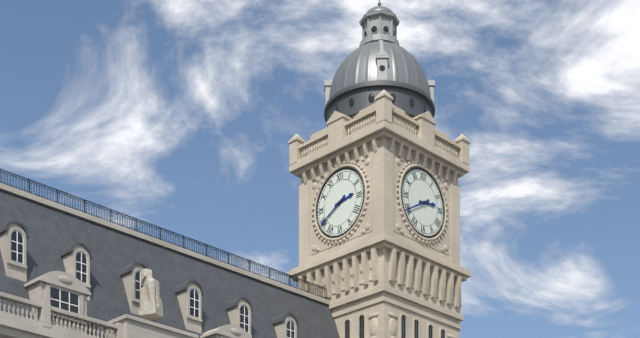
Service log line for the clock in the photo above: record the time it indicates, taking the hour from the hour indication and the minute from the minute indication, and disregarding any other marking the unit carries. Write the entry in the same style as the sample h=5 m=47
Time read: h=2 m=40
